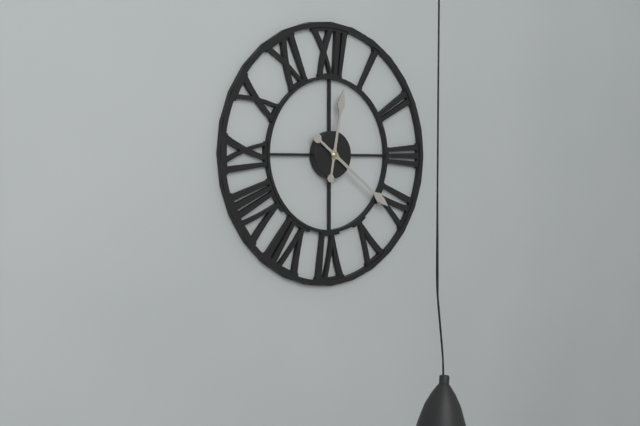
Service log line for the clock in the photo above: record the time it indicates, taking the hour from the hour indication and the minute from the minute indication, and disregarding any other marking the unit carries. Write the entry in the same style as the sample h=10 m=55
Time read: h=12 m=21
